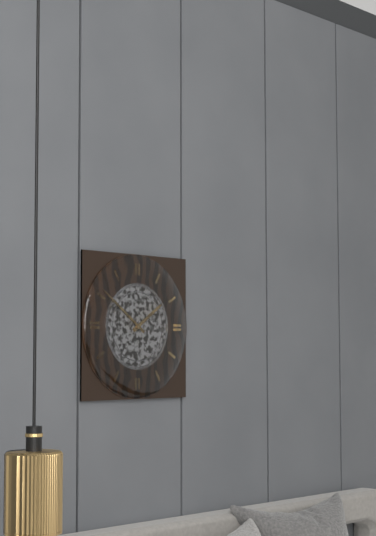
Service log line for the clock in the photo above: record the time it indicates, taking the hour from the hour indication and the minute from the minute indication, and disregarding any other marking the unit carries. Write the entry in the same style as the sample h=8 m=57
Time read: h=1 m=51
